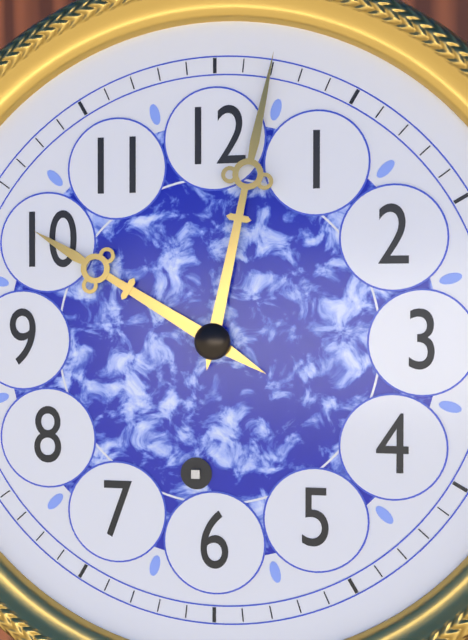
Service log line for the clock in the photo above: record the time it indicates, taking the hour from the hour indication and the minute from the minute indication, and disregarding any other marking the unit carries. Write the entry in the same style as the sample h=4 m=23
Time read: h=10 m=2
